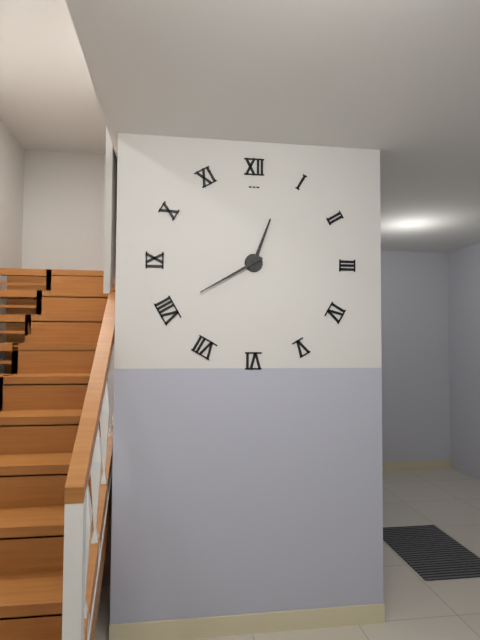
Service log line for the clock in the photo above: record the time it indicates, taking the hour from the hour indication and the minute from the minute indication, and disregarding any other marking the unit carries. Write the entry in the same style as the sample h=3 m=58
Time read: h=12 m=40
